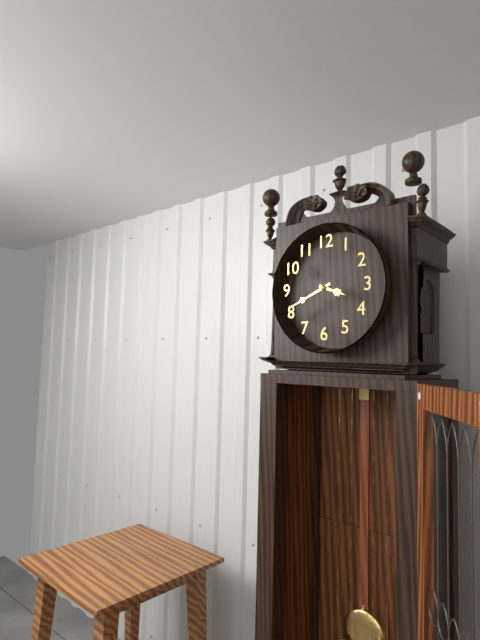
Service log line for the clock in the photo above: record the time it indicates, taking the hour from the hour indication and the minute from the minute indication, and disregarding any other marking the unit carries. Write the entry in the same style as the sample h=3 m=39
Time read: h=3 m=41
